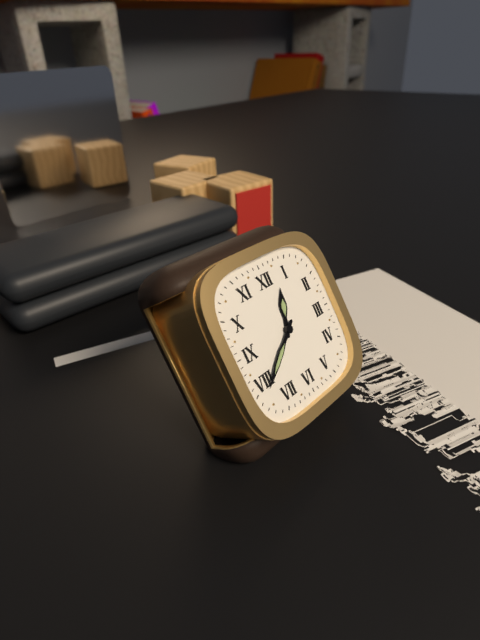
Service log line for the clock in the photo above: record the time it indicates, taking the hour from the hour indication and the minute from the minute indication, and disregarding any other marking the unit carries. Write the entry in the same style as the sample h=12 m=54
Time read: h=12 m=39
